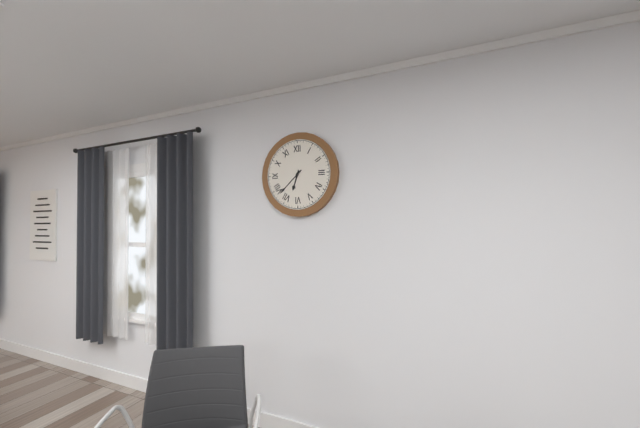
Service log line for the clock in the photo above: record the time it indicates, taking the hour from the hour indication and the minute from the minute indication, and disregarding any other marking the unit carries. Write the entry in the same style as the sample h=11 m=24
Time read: h=6 m=38
